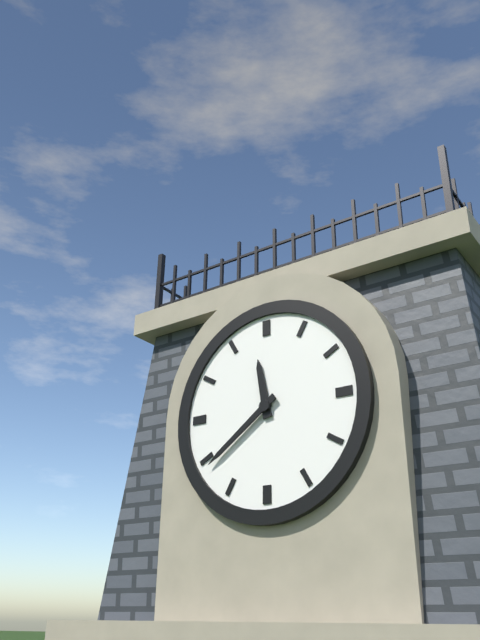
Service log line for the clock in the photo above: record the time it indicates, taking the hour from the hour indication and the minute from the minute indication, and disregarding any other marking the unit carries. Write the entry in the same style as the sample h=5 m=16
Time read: h=11 m=39
